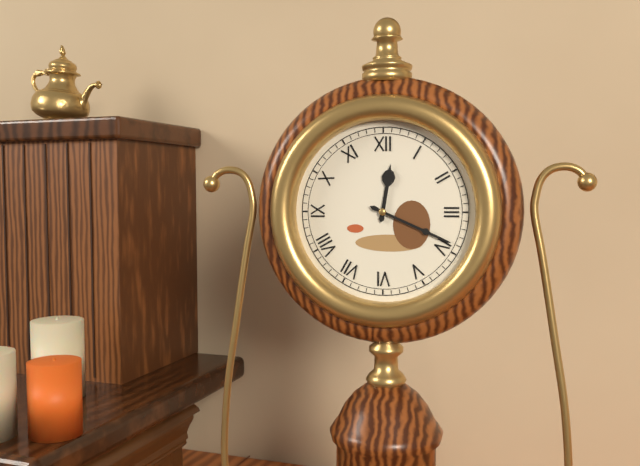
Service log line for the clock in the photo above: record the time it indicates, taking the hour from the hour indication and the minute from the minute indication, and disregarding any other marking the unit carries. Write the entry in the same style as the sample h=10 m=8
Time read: h=12 m=19
